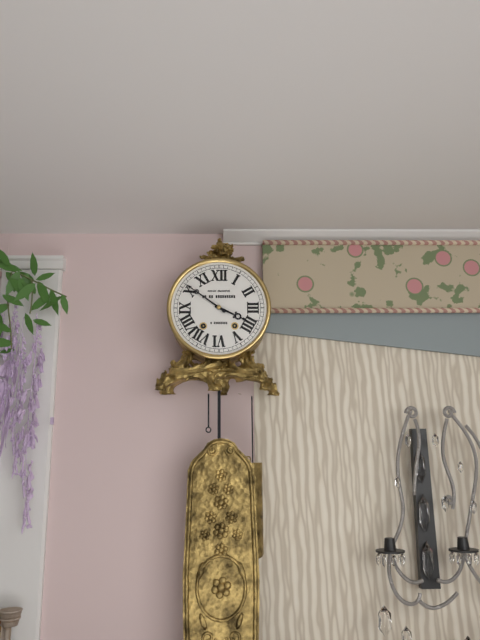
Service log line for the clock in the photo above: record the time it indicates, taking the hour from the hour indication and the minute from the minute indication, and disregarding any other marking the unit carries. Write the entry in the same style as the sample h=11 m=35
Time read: h=3 m=51
